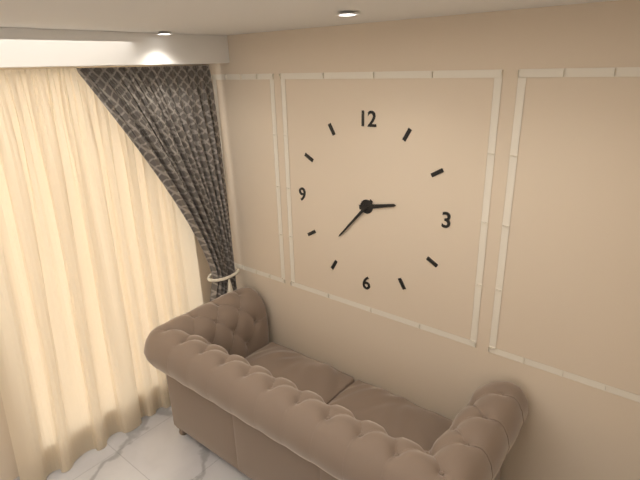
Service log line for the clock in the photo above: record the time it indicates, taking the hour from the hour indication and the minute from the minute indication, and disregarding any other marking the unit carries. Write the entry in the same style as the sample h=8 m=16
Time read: h=2 m=37
